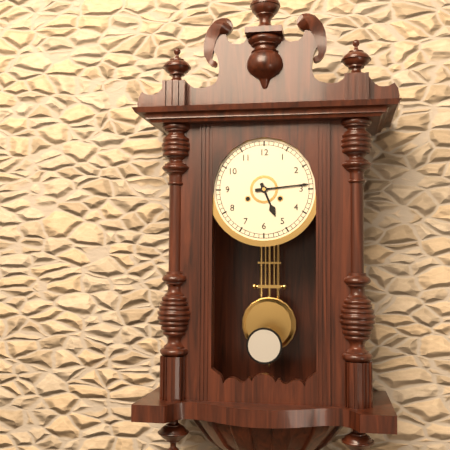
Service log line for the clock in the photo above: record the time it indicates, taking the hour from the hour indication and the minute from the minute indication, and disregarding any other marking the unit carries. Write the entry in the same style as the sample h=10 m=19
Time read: h=5 m=14
